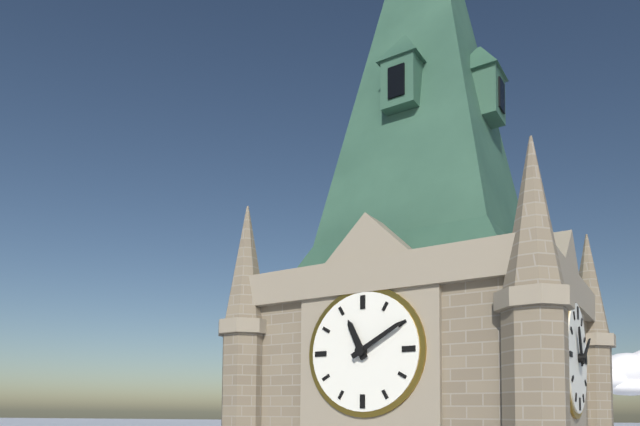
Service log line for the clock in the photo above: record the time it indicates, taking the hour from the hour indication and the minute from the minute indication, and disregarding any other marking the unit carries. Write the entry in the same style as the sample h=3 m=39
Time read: h=11 m=10
